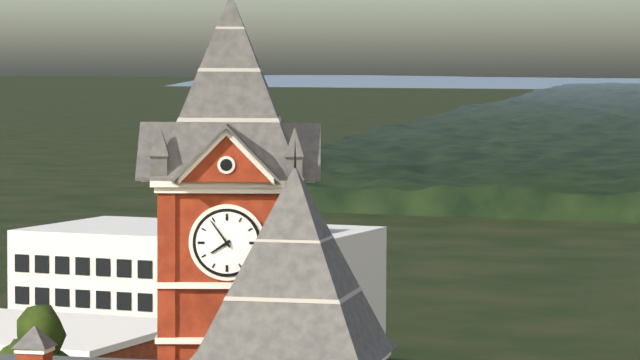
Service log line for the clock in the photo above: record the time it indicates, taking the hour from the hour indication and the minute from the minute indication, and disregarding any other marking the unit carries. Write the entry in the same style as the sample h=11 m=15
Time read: h=7 m=54
